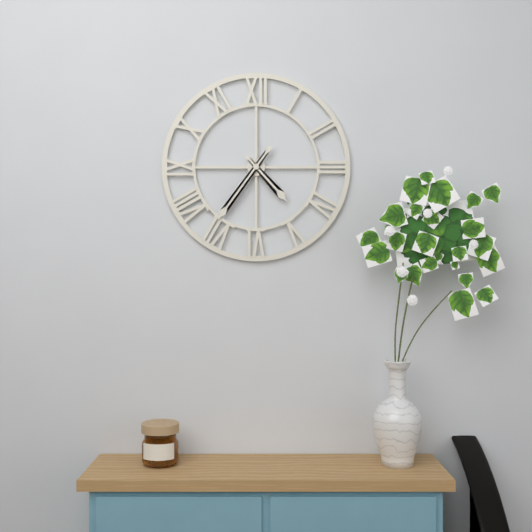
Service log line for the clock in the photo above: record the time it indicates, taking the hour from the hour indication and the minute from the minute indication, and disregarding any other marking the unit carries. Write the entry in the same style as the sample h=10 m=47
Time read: h=4 m=36
